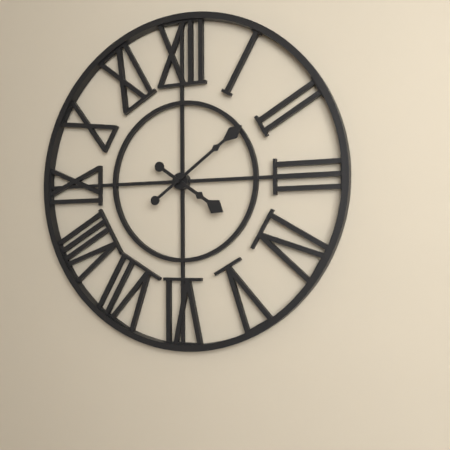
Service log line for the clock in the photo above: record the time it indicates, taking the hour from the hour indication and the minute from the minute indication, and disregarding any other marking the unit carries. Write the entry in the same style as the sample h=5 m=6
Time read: h=4 m=9
